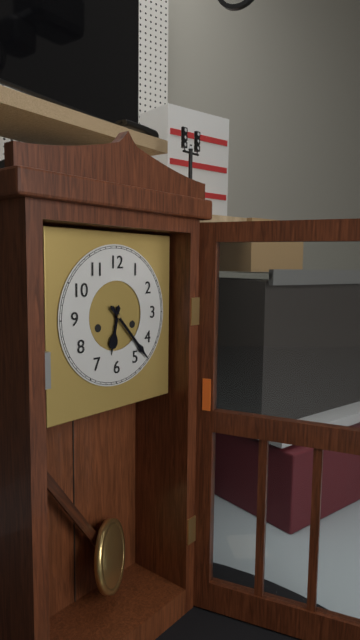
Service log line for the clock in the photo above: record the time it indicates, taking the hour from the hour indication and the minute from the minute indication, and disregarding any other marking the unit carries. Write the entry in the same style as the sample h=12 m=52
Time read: h=6 m=23
